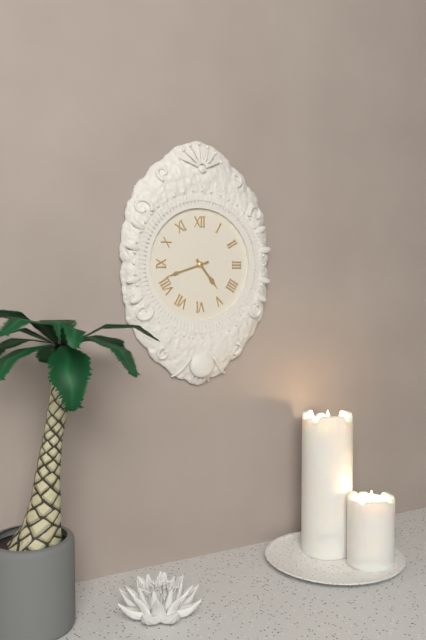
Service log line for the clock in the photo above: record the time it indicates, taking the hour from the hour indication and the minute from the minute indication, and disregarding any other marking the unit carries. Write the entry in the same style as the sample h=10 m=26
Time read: h=4 m=42
